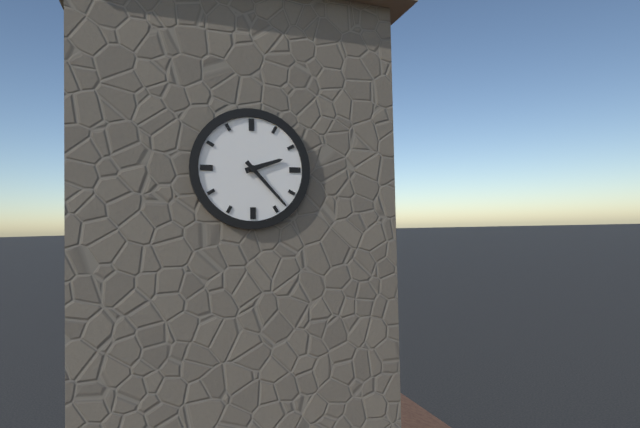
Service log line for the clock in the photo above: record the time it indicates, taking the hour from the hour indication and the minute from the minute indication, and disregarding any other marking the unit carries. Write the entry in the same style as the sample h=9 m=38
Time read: h=2 m=23
